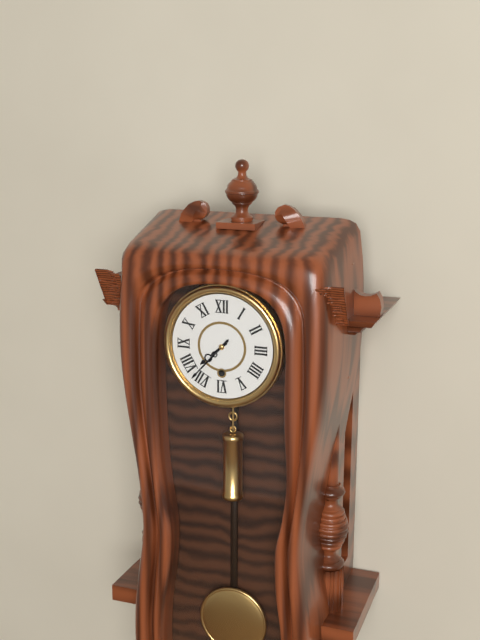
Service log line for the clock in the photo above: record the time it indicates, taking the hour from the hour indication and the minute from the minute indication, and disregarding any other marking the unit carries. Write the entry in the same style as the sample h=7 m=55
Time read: h=7 m=37
